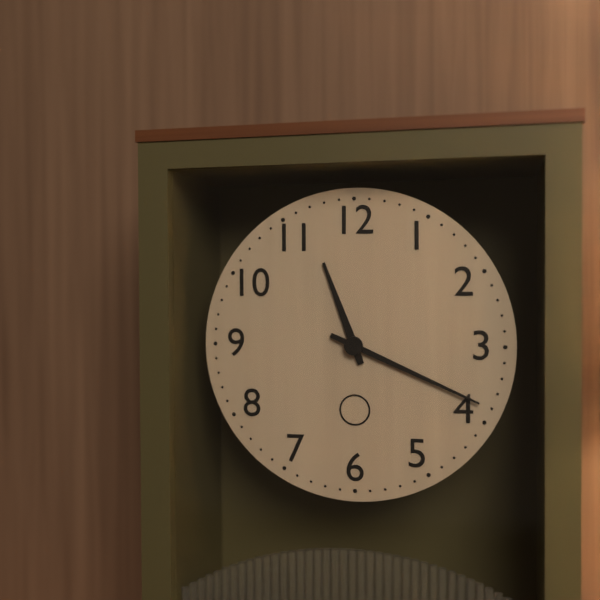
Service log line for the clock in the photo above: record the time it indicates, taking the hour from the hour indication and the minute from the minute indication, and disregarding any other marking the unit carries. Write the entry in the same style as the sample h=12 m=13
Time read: h=11 m=19
